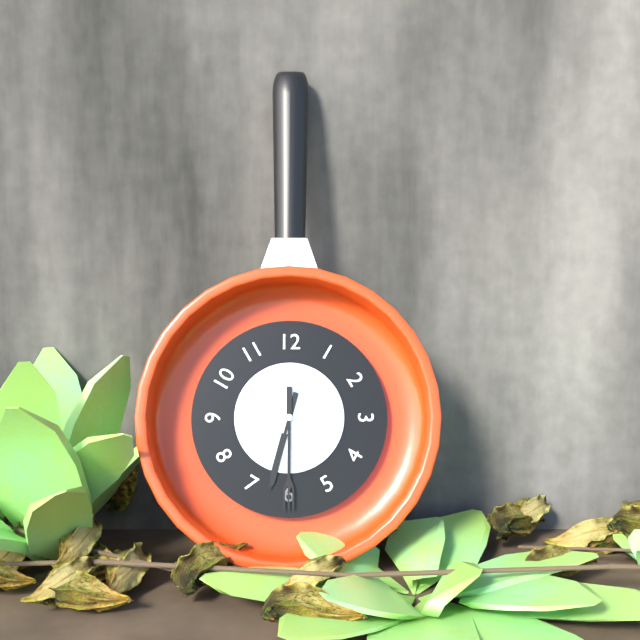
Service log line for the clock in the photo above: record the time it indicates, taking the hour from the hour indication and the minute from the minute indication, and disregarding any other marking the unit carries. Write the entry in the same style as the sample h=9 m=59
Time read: h=6 m=30
